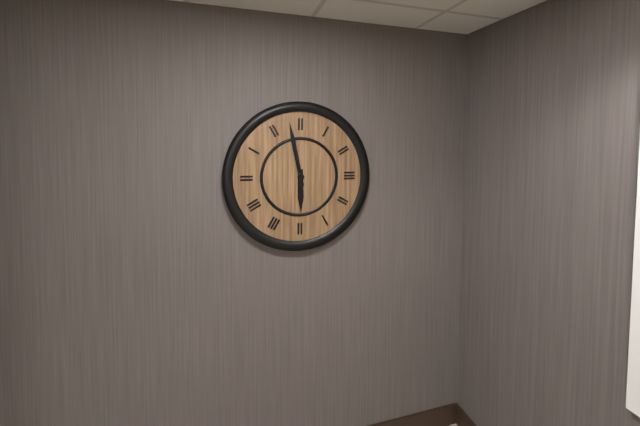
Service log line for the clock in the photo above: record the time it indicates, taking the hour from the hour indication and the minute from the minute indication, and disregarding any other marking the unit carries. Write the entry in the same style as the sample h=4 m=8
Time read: h=5 m=58
